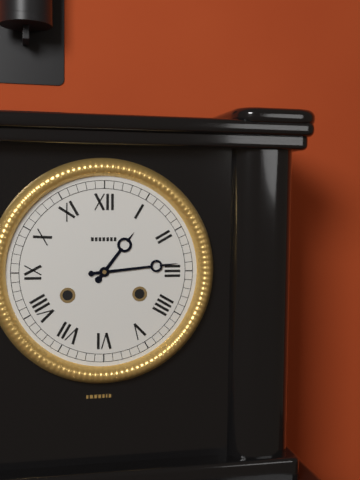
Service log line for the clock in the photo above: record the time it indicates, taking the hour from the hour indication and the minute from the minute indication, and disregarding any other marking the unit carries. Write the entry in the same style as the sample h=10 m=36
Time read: h=1 m=14
